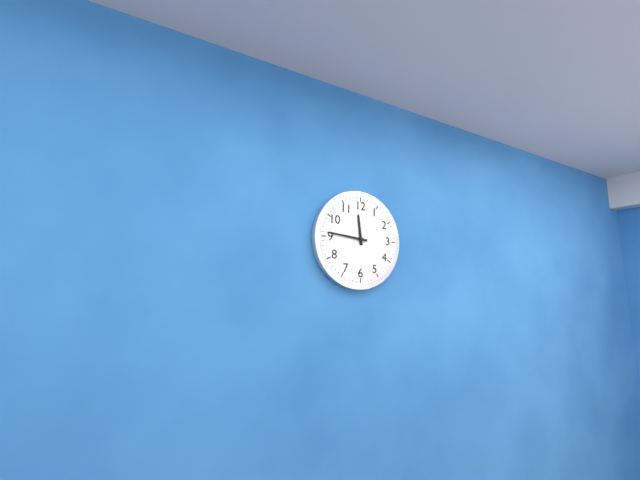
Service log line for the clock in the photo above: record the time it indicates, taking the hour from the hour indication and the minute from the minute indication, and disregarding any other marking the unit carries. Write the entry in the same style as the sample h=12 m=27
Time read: h=11 m=46
